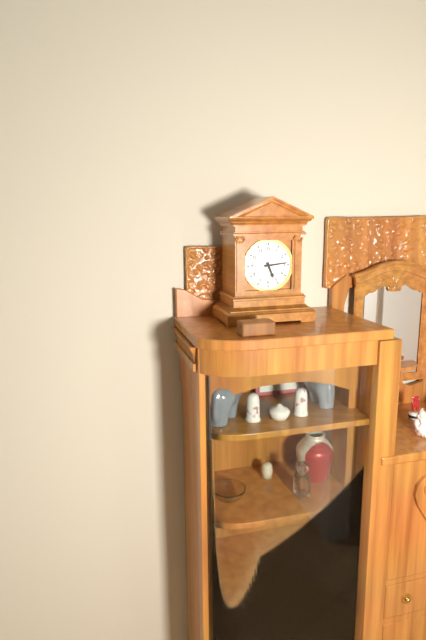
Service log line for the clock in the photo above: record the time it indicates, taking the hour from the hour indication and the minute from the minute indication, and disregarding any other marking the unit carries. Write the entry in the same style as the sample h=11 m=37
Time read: h=5 m=14
